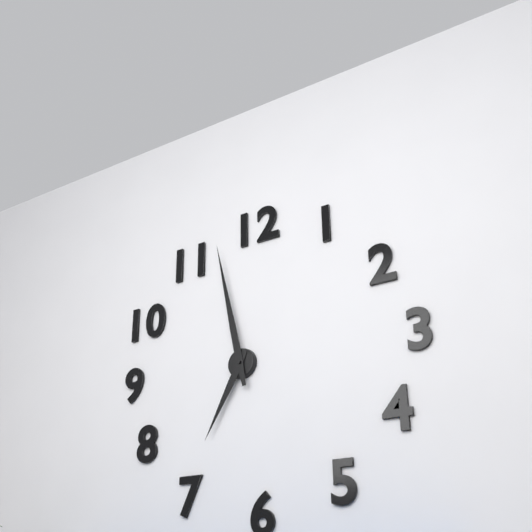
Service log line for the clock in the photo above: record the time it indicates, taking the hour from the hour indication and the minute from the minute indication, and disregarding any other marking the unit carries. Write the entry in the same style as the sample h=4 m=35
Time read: h=6 m=58
